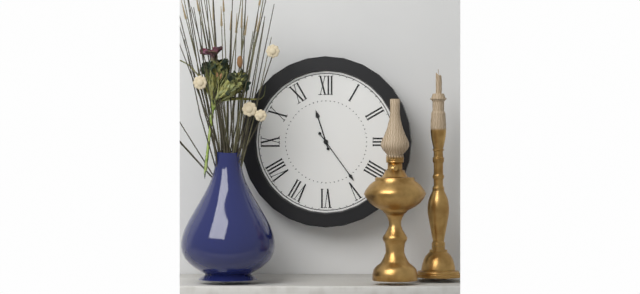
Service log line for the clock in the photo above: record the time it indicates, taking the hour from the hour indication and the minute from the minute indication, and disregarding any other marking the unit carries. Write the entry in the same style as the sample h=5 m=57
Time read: h=11 m=24
